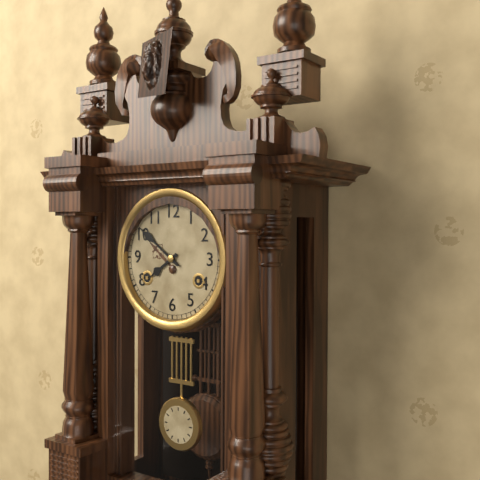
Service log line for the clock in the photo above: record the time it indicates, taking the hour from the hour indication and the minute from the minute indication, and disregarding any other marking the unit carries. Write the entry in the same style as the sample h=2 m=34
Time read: h=7 m=51
